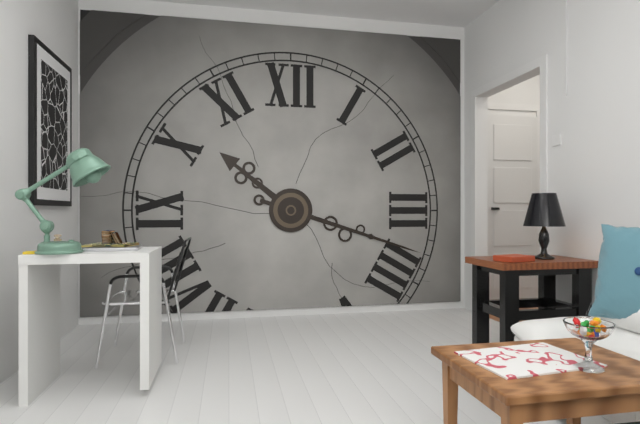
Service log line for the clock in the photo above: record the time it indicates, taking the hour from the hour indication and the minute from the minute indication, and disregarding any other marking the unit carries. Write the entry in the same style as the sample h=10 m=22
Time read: h=10 m=18
